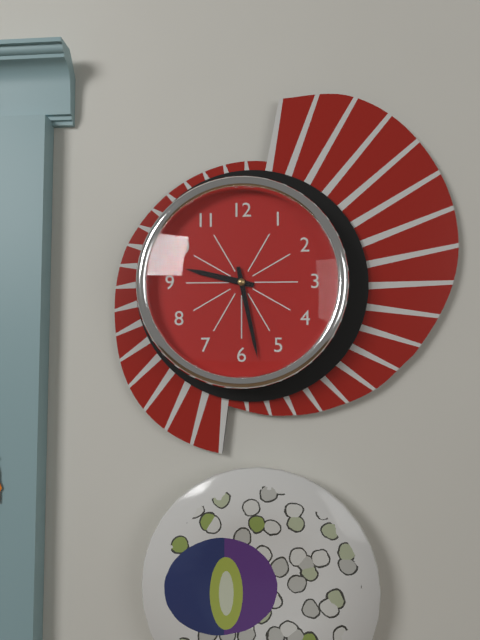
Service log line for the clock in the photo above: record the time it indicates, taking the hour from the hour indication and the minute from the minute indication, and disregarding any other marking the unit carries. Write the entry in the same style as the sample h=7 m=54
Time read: h=9 m=28
